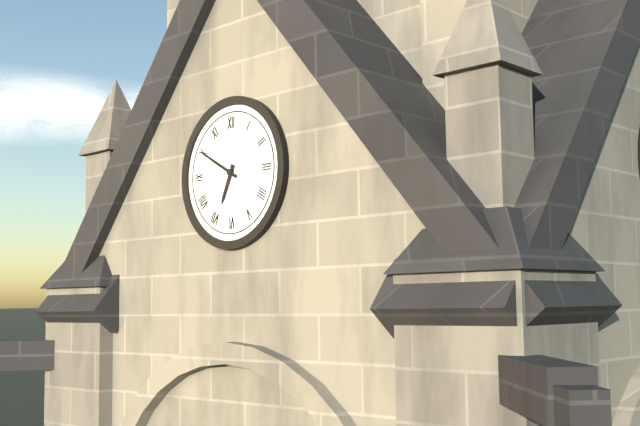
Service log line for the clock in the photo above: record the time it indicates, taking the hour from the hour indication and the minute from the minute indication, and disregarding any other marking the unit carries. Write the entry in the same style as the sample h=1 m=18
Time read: h=6 m=50
